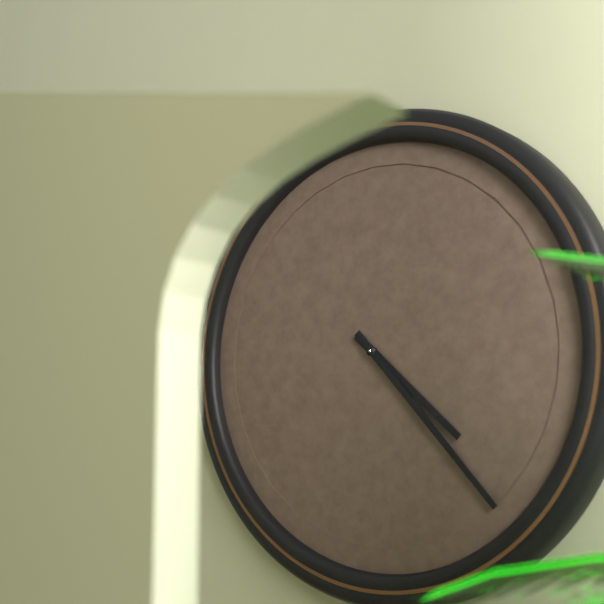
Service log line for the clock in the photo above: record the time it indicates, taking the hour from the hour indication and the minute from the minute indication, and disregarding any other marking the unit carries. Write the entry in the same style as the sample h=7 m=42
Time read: h=4 m=23
